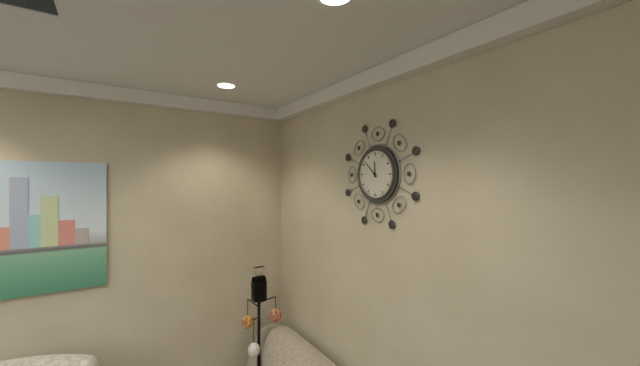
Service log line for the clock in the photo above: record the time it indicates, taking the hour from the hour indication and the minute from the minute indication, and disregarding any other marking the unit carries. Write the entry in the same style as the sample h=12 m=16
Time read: h=11 m=52
